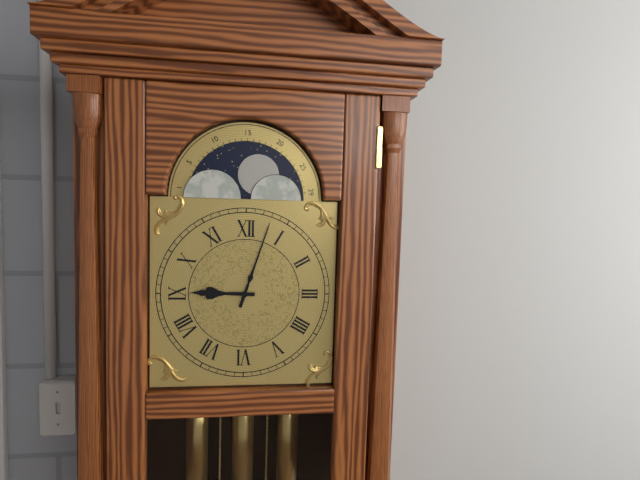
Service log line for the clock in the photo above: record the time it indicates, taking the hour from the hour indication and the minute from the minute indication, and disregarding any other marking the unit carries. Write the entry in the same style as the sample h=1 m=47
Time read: h=9 m=3
